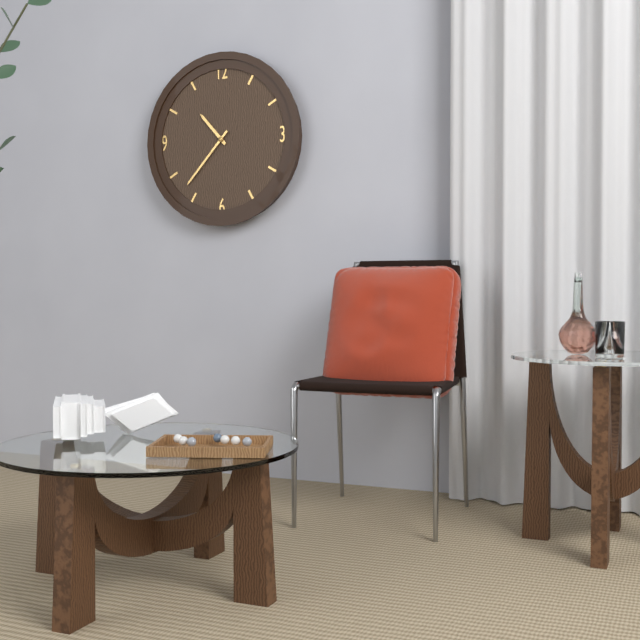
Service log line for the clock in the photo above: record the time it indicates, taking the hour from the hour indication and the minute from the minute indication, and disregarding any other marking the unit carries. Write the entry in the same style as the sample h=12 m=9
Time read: h=10 m=37
